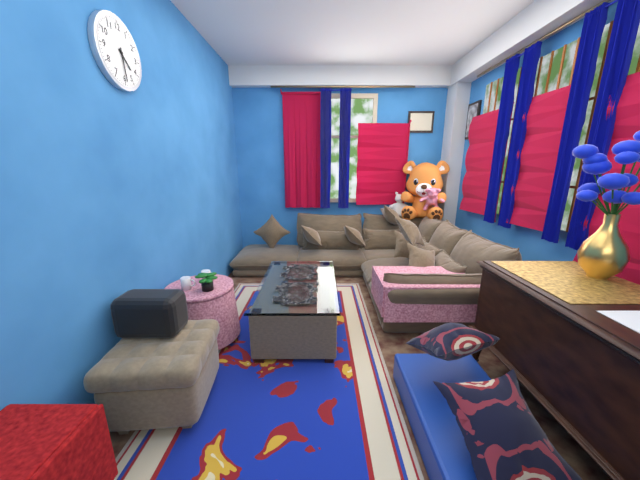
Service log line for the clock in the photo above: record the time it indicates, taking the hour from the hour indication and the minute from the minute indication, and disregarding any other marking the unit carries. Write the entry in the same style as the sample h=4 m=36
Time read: h=4 m=29
